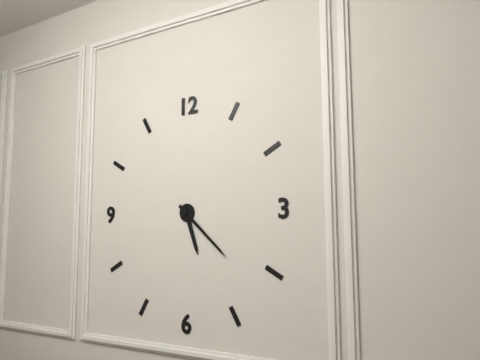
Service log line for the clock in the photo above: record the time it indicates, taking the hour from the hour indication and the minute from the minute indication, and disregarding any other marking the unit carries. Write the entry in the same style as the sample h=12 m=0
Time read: h=5 m=22
